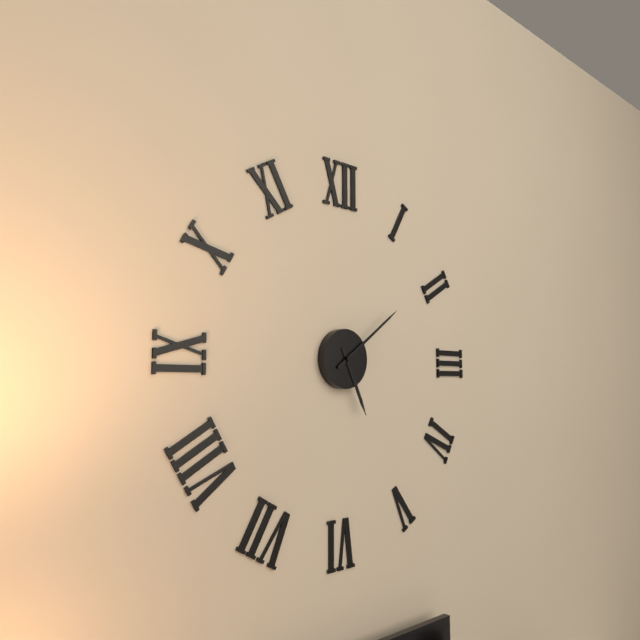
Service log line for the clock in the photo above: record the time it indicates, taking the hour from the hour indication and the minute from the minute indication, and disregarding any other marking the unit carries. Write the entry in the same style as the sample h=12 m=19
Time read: h=5 m=9
